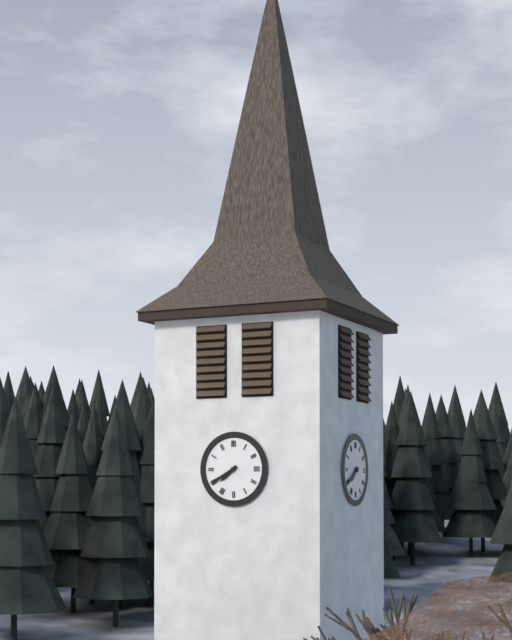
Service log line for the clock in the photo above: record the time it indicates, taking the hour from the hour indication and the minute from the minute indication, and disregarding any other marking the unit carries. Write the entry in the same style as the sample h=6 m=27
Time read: h=7 m=40
